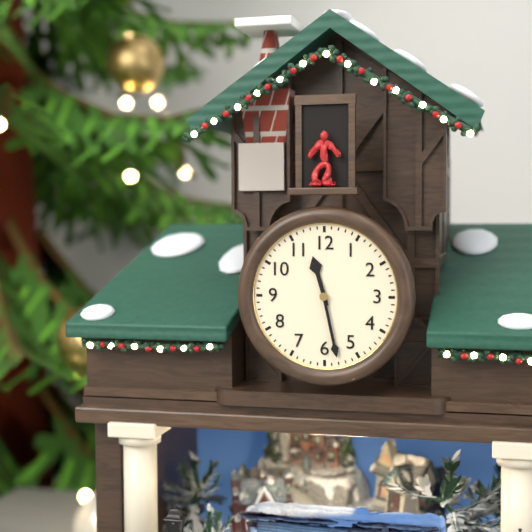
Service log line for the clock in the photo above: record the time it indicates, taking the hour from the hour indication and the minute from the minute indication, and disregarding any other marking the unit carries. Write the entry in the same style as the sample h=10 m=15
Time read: h=11 m=28
